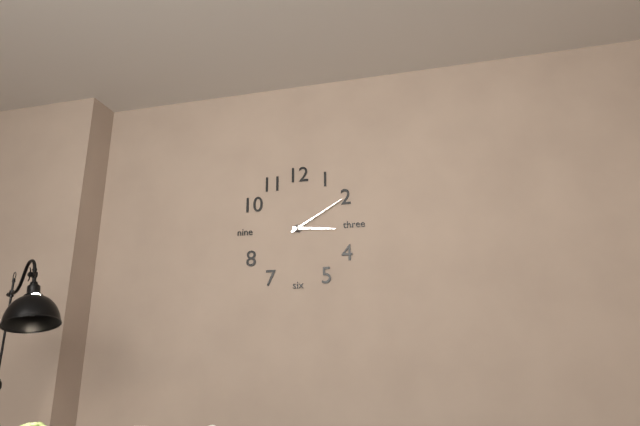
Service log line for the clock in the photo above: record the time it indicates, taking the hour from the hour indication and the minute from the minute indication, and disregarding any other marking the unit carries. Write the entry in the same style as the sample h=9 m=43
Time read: h=3 m=10
